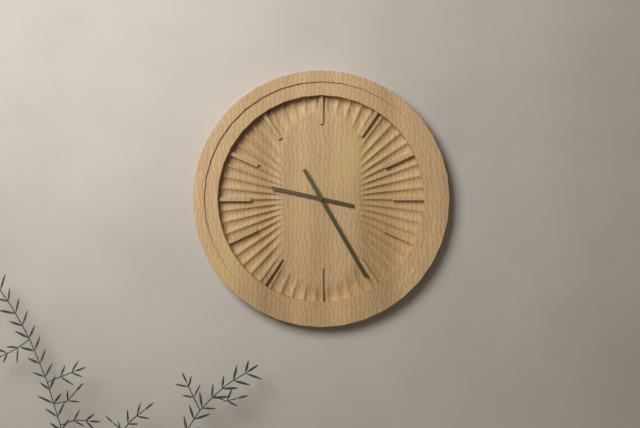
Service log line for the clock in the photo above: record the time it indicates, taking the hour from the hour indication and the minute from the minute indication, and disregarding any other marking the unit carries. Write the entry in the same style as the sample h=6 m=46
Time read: h=9 m=25
